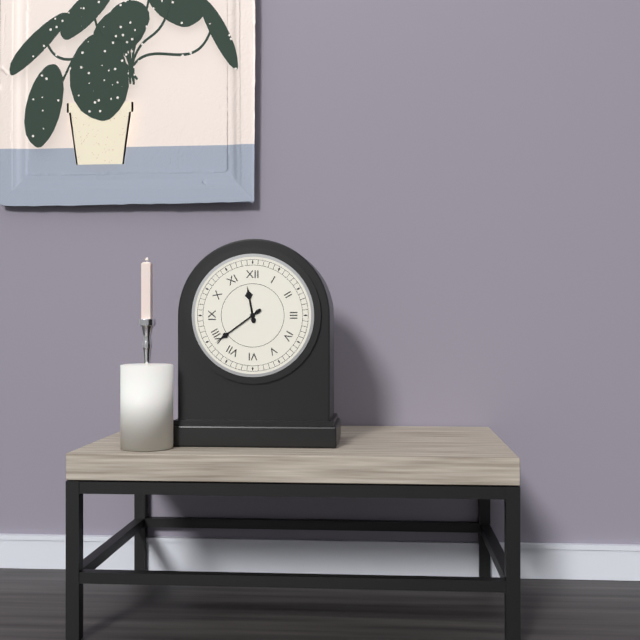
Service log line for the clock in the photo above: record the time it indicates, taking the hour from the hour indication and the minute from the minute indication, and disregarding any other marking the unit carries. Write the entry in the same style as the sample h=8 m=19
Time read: h=11 m=39
